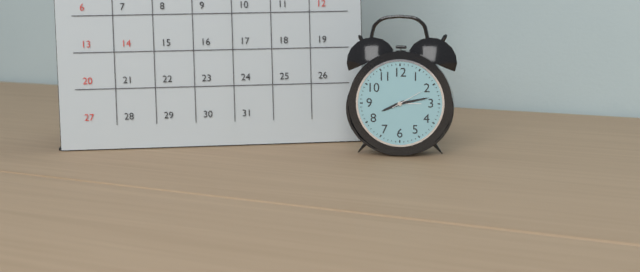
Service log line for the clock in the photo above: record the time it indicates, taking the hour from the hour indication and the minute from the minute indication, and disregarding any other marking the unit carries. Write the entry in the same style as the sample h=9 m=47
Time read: h=8 m=13
